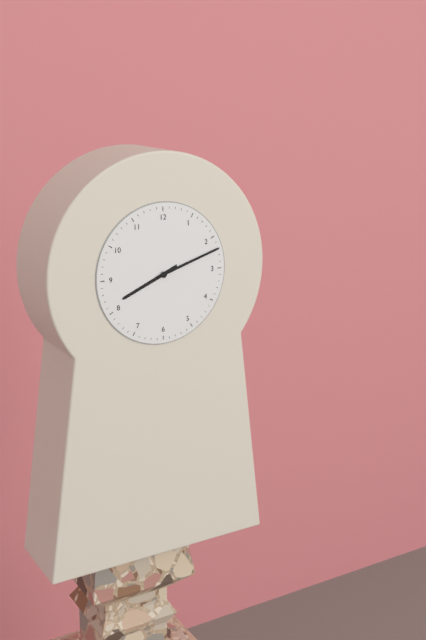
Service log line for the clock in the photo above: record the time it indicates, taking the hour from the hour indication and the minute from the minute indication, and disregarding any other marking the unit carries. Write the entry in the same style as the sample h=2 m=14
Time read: h=8 m=12
